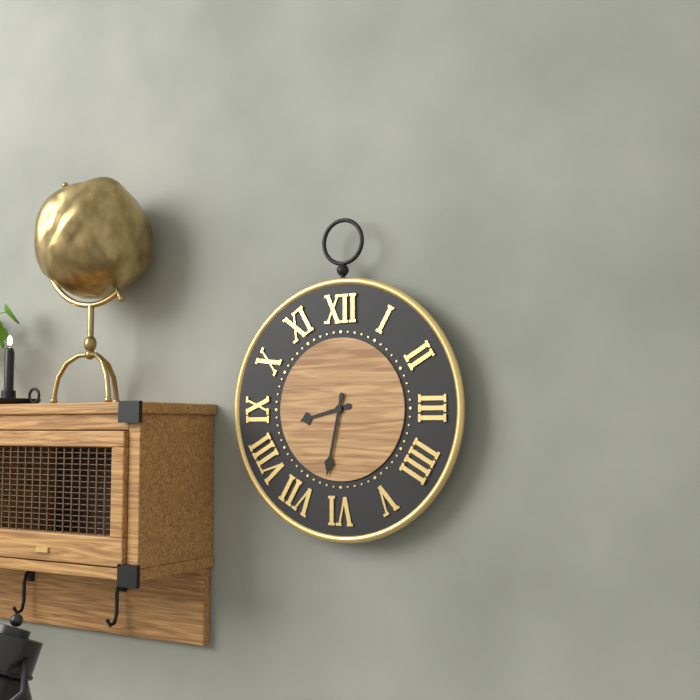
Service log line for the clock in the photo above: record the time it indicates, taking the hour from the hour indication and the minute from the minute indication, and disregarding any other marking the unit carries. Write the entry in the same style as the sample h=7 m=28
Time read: h=8 m=32
